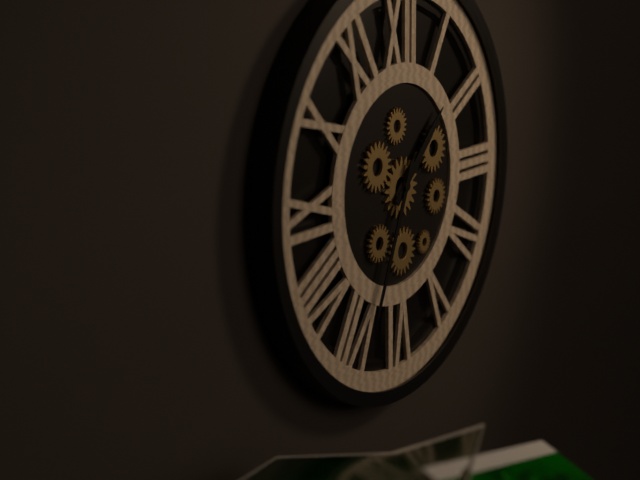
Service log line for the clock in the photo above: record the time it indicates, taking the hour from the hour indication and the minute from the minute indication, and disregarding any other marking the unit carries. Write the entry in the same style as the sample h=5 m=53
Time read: h=1 m=34
